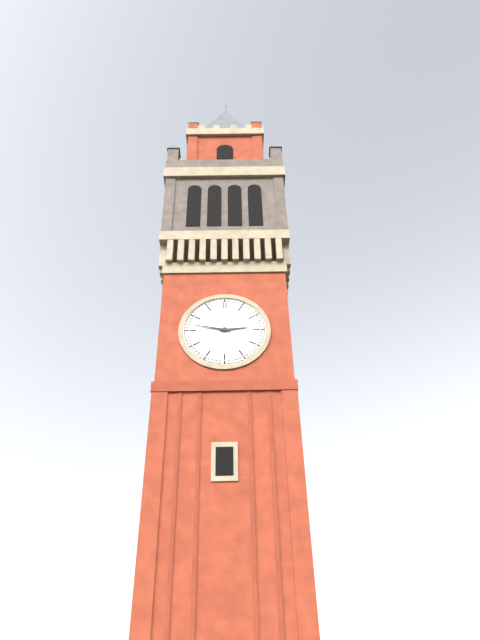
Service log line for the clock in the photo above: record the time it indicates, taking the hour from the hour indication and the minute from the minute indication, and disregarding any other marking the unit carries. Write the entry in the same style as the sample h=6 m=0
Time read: h=2 m=47
